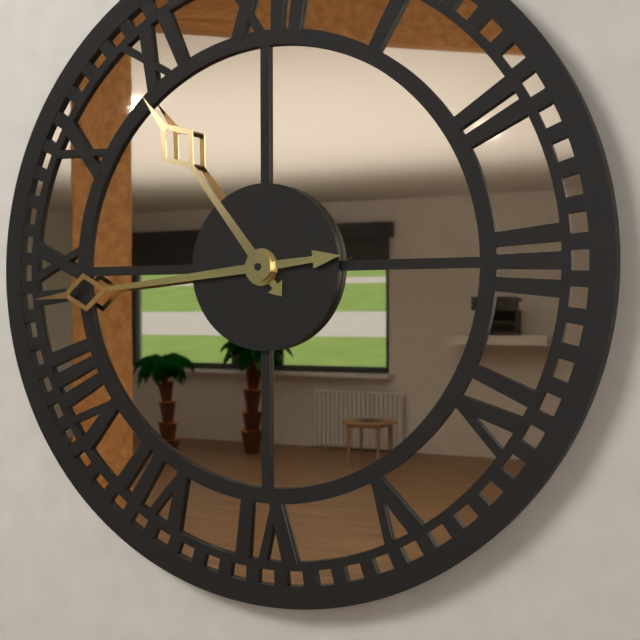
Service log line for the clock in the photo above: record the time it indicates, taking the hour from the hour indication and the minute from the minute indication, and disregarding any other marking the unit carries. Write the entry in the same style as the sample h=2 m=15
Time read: h=10 m=44
